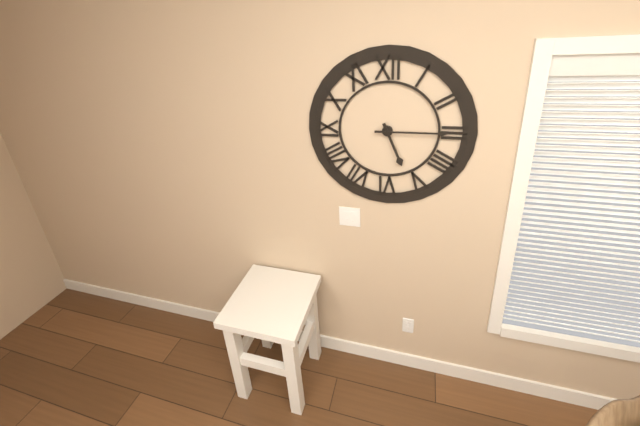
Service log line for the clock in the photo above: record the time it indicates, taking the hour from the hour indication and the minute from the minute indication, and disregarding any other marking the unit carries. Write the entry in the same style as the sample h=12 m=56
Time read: h=5 m=15
